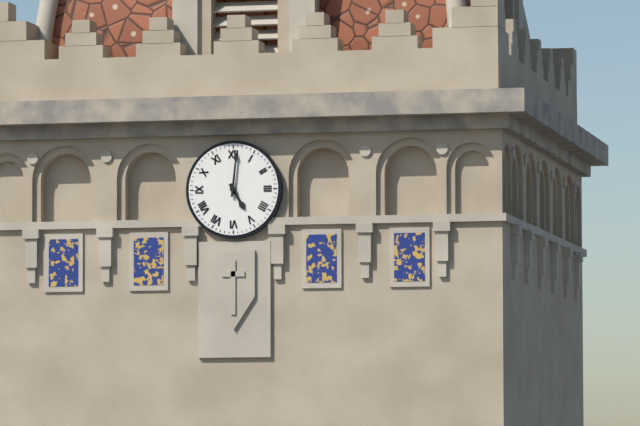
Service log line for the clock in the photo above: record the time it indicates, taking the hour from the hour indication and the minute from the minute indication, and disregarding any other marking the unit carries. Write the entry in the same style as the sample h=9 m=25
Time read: h=5 m=1
